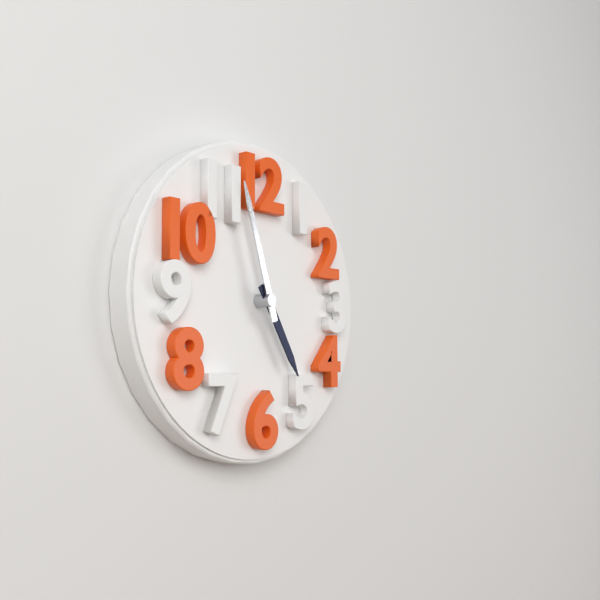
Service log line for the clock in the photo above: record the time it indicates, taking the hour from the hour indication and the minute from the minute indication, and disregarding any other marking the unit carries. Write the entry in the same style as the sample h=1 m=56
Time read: h=4 m=57
